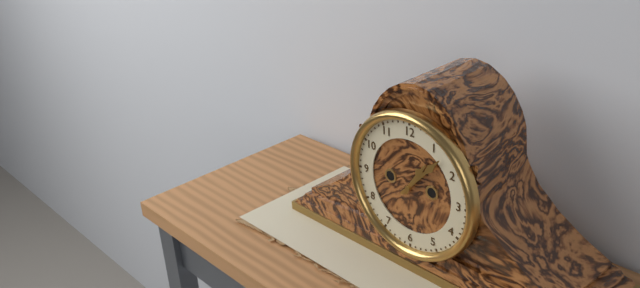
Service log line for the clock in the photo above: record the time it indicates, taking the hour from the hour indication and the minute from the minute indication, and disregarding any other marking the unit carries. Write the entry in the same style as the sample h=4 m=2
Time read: h=1 m=7
